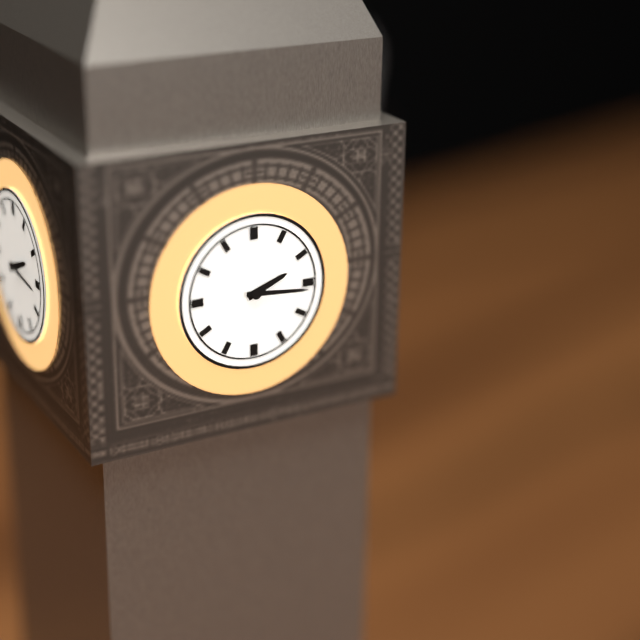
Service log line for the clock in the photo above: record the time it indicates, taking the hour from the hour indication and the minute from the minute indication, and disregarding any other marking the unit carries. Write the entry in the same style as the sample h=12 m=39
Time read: h=2 m=16
